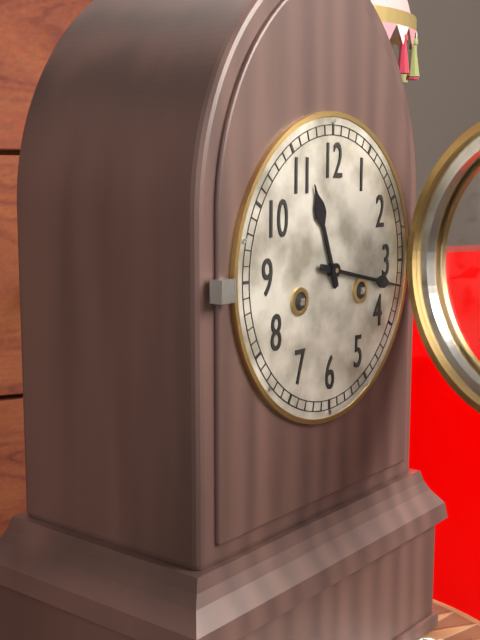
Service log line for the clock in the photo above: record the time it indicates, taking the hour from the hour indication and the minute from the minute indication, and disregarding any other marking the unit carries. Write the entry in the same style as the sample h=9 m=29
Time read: h=11 m=17
